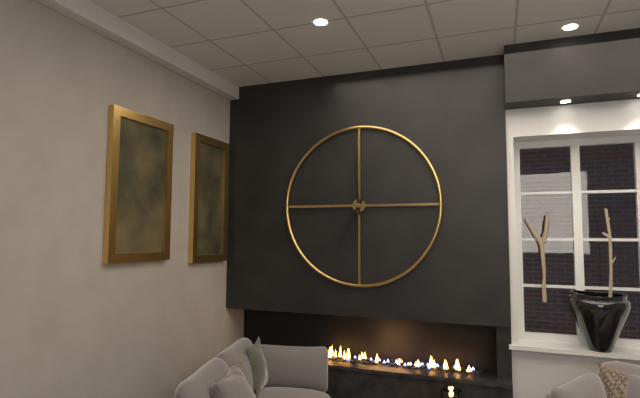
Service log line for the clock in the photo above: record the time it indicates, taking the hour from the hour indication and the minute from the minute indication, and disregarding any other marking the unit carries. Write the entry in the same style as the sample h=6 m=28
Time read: h=6 m=59
